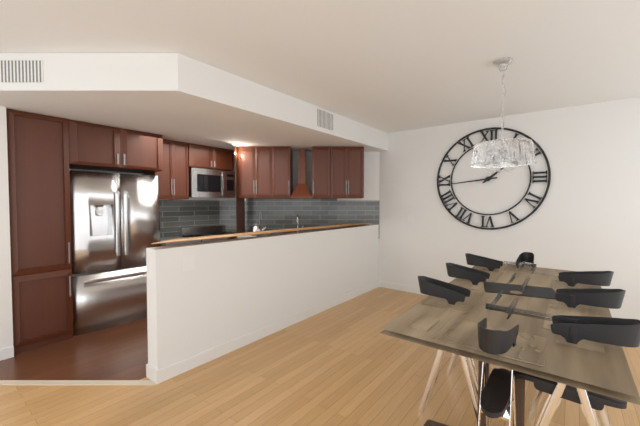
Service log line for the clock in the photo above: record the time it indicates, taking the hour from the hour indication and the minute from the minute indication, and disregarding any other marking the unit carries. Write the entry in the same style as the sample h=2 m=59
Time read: h=1 m=44
